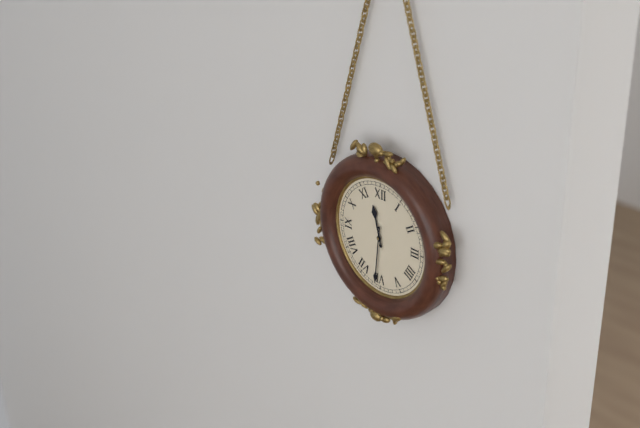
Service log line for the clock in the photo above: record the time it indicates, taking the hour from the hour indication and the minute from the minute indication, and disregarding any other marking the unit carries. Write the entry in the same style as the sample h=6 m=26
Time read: h=11 m=31
